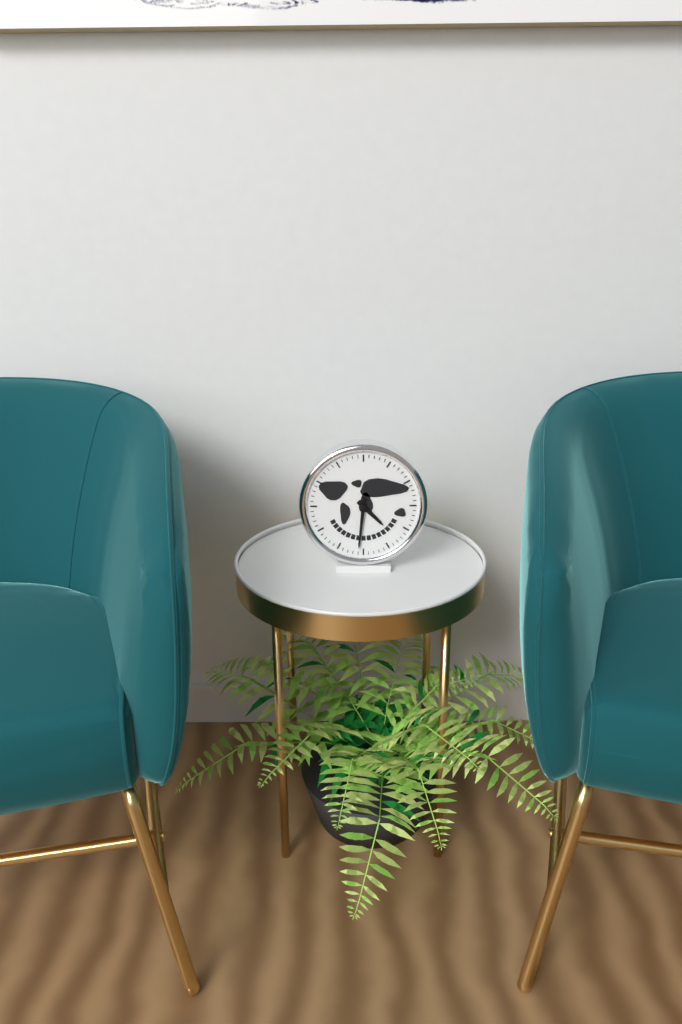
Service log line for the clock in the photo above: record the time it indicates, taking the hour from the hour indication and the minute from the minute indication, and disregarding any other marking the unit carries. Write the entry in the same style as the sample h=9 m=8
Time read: h=4 m=31
